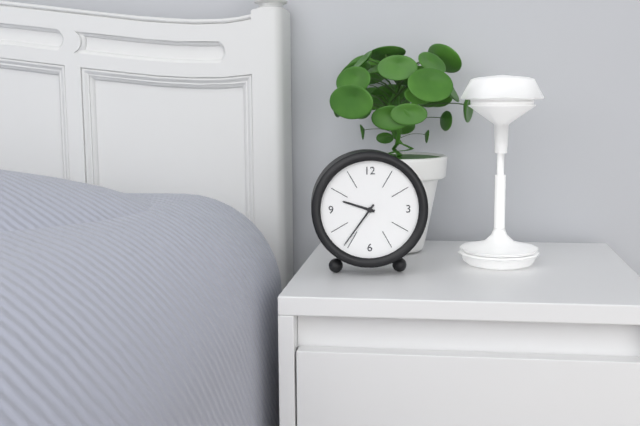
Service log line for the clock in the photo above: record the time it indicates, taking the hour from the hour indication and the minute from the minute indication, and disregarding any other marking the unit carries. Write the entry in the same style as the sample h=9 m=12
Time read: h=9 m=36
